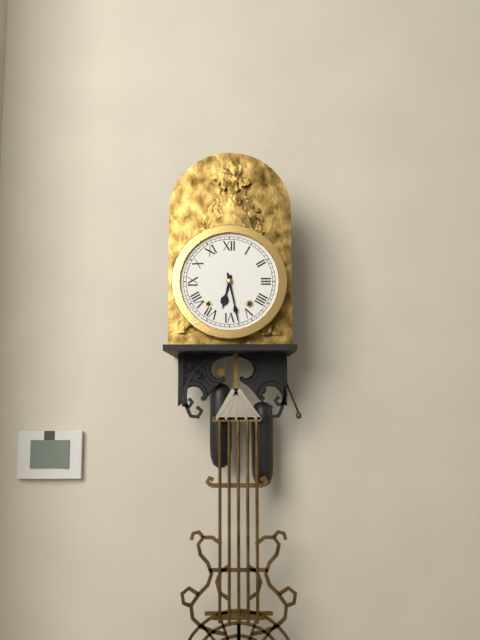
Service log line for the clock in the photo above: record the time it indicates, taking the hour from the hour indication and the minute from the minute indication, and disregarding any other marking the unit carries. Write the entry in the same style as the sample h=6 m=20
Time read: h=6 m=28
